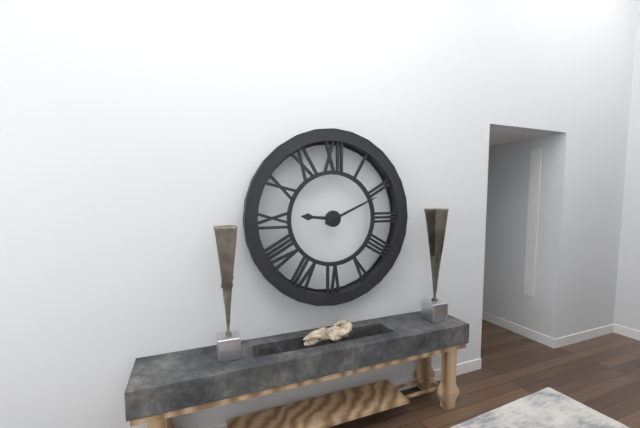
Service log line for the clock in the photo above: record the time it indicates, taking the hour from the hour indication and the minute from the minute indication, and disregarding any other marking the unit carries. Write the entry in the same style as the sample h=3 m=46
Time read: h=9 m=11
